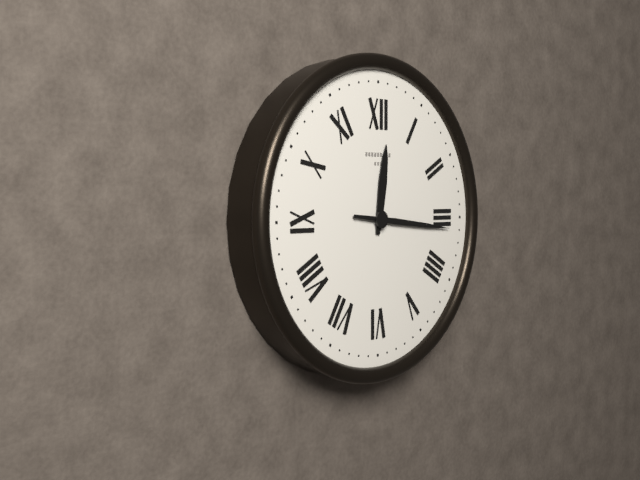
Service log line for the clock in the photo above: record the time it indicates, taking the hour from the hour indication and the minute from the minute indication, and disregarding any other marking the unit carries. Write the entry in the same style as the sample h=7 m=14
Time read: h=12 m=16
